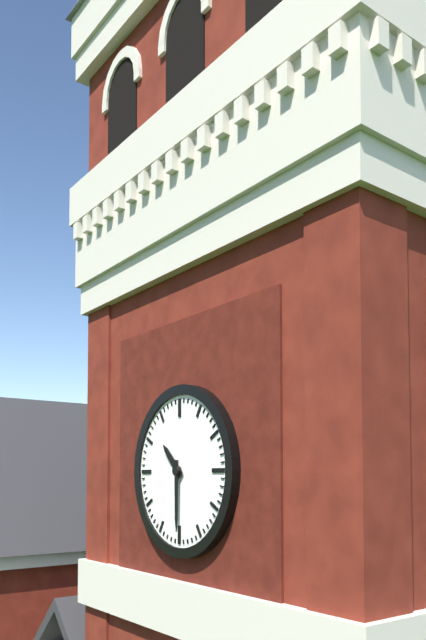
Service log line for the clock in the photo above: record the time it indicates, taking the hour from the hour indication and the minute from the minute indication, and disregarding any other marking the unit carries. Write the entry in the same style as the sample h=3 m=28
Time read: h=10 m=30
